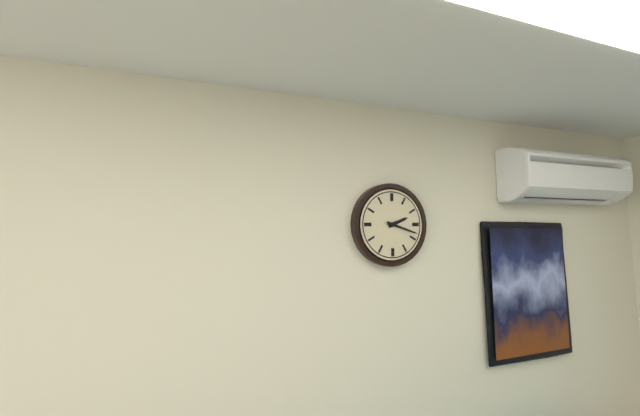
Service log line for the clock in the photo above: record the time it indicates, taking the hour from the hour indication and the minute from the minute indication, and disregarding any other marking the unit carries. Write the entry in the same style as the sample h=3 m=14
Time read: h=2 m=18
